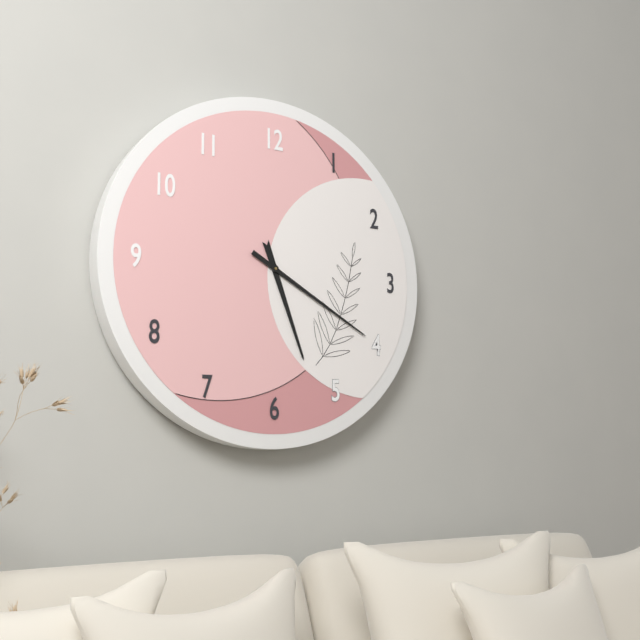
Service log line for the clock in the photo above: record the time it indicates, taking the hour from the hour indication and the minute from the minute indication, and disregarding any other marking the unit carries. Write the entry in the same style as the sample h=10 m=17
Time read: h=5 m=20
